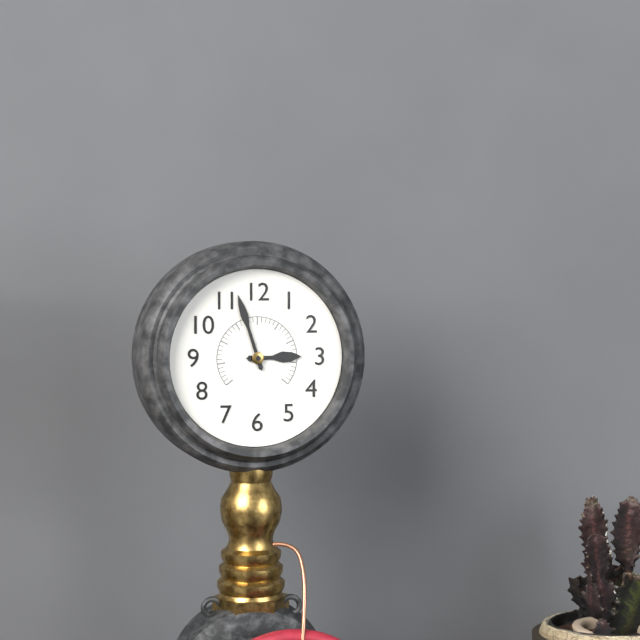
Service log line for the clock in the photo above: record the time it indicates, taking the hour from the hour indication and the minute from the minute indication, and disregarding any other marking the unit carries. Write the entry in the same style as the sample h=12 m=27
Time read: h=2 m=57
